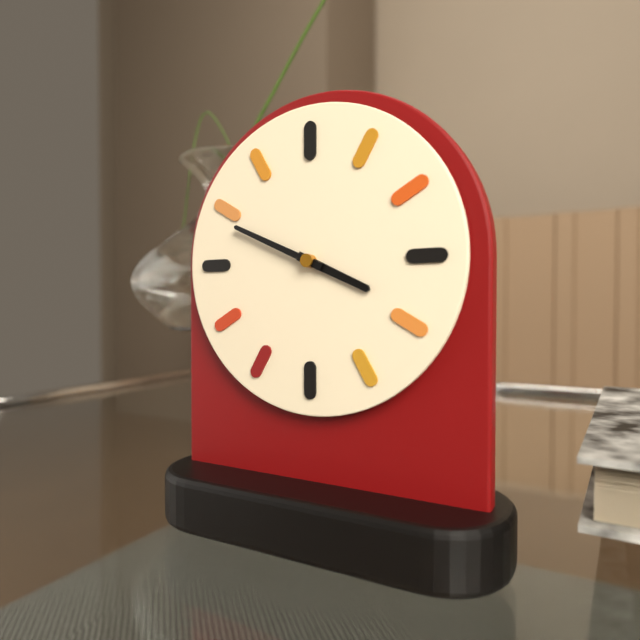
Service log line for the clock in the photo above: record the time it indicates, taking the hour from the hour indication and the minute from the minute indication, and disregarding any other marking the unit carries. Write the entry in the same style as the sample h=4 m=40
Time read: h=3 m=49
